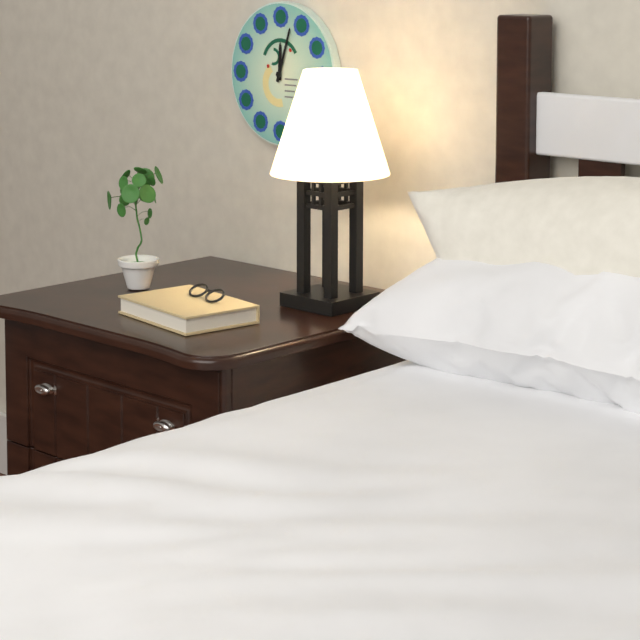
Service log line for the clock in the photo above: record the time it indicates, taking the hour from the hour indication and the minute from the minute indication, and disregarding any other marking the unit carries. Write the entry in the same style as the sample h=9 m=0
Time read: h=12 m=3
